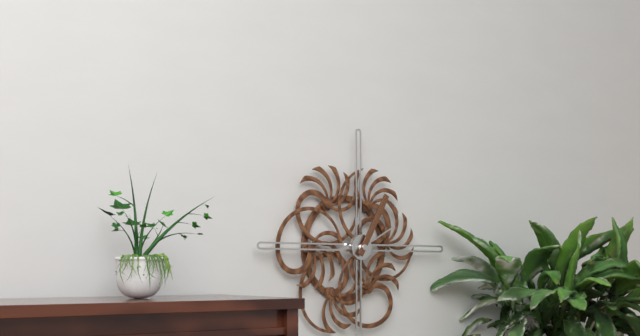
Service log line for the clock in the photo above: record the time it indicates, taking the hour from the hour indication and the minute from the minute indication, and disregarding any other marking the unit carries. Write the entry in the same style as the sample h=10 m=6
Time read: h=2 m=5
